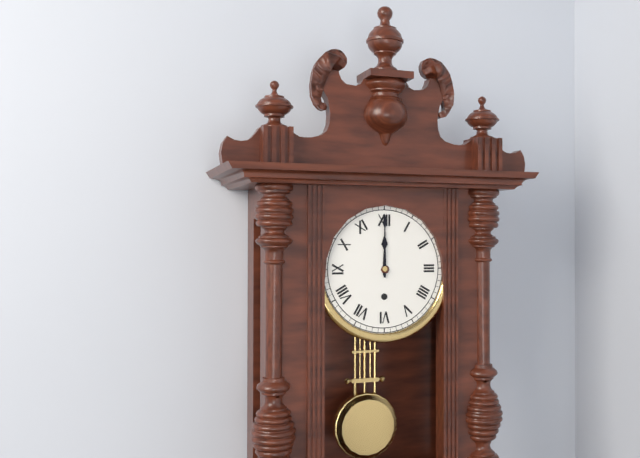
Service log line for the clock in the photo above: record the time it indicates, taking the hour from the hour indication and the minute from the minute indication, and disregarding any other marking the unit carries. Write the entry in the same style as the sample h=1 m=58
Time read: h=12 m=0
